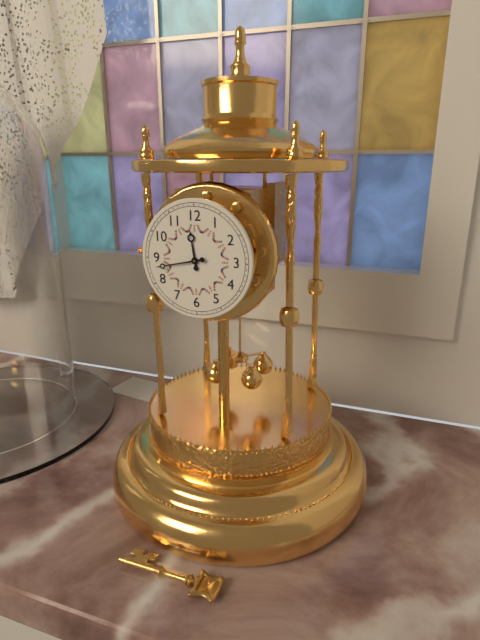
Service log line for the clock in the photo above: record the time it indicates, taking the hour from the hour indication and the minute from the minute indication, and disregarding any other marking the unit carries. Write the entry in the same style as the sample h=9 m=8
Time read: h=11 m=43
